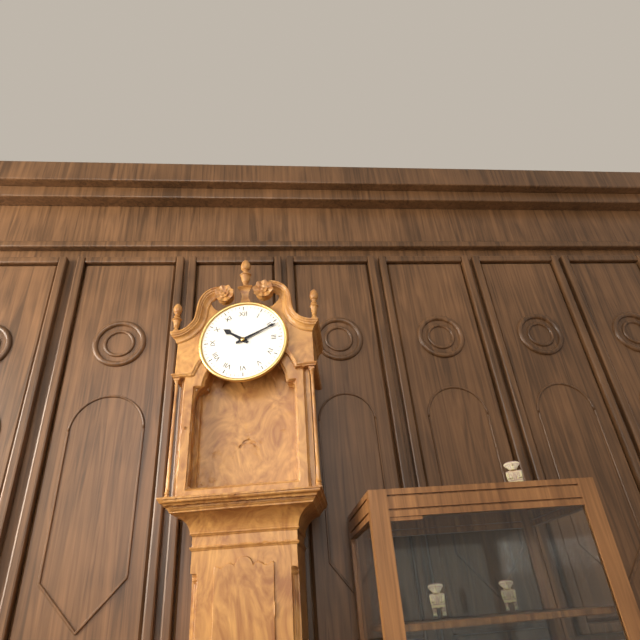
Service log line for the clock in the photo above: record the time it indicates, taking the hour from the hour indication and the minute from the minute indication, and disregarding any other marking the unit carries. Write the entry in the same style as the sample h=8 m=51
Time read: h=10 m=11
